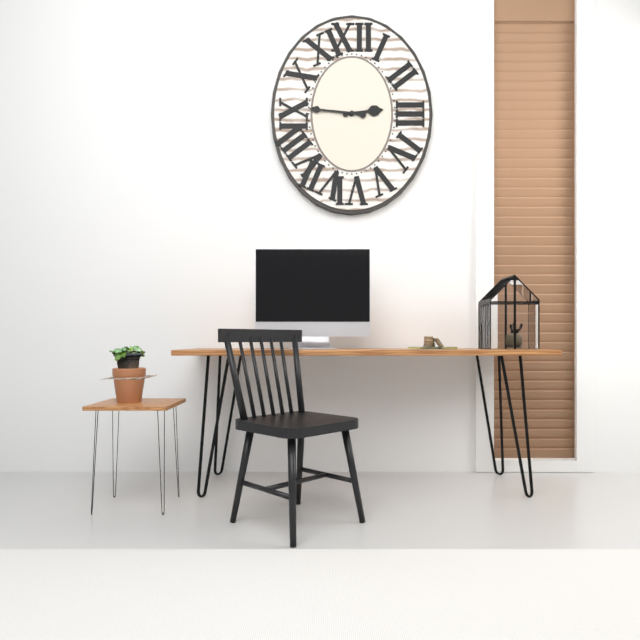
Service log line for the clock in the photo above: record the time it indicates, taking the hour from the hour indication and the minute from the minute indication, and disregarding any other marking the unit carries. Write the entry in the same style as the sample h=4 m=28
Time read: h=2 m=46
